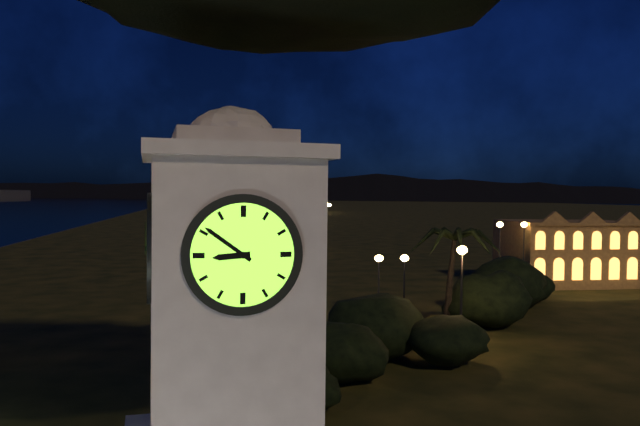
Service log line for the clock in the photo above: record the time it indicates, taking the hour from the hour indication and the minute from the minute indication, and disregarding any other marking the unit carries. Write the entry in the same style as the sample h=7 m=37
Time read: h=8 m=51
